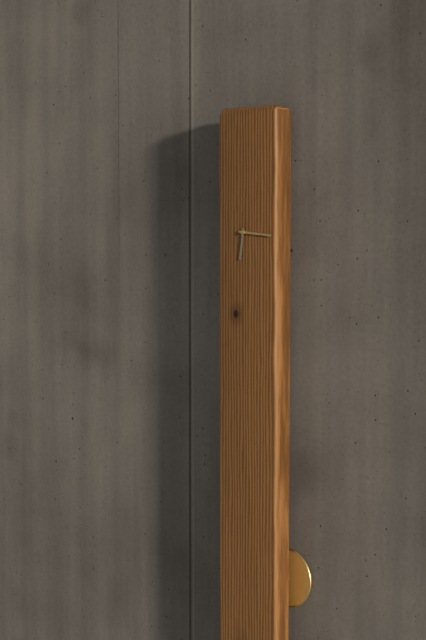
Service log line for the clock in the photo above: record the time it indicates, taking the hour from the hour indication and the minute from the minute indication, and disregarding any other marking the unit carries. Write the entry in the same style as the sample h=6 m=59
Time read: h=6 m=16
